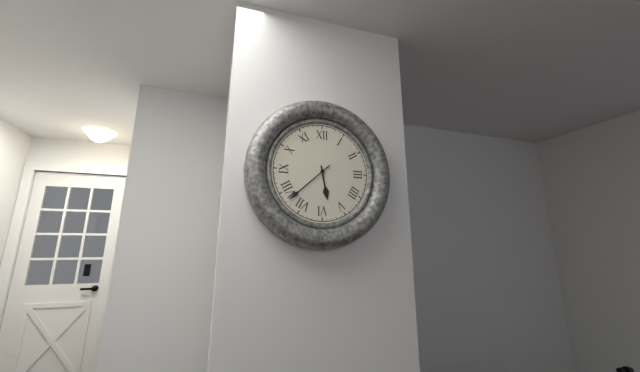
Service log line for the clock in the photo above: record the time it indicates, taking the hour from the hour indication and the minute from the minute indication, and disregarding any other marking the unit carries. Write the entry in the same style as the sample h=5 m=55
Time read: h=5 m=38
